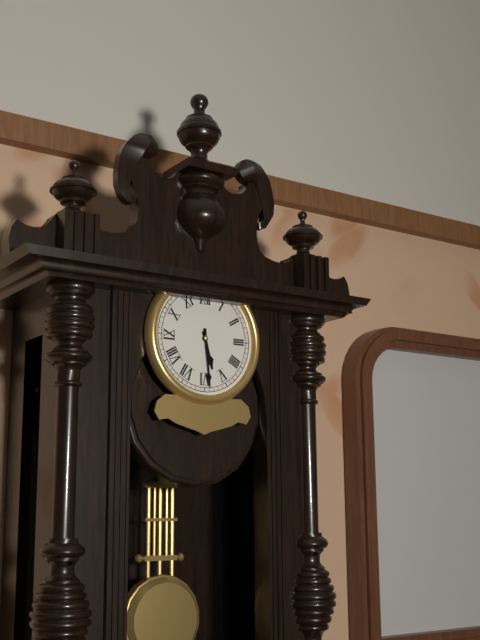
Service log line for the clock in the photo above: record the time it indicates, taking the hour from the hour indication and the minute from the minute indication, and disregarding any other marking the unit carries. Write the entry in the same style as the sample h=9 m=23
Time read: h=5 m=29
